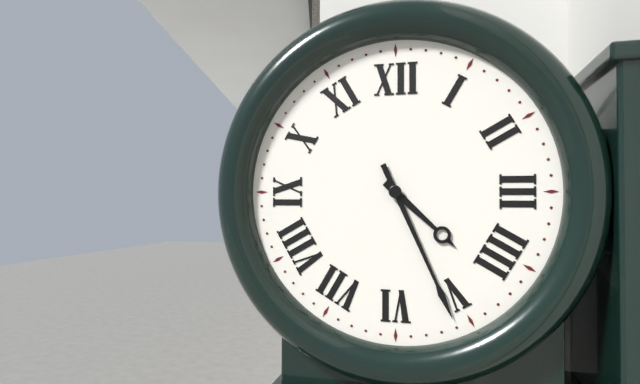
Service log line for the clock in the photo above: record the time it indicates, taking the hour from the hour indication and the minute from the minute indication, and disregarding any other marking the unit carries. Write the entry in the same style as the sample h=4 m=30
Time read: h=4 m=26
